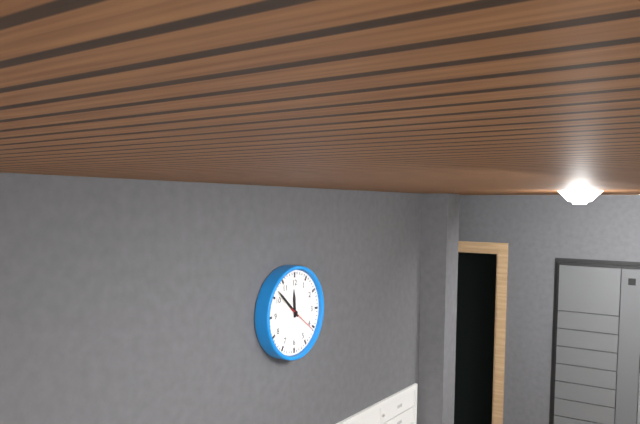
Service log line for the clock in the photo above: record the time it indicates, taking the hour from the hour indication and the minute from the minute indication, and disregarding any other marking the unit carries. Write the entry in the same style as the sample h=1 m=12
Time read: h=11 m=52
